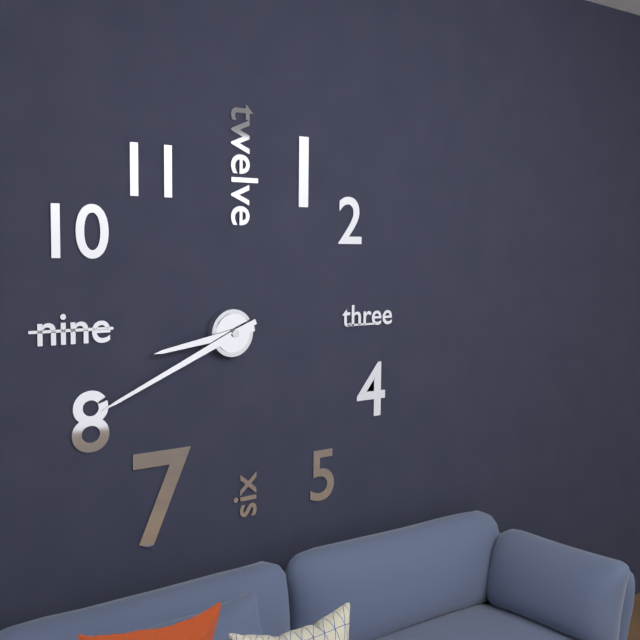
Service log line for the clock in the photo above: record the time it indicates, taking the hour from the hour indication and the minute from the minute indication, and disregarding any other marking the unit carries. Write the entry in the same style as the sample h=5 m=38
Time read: h=8 m=41
